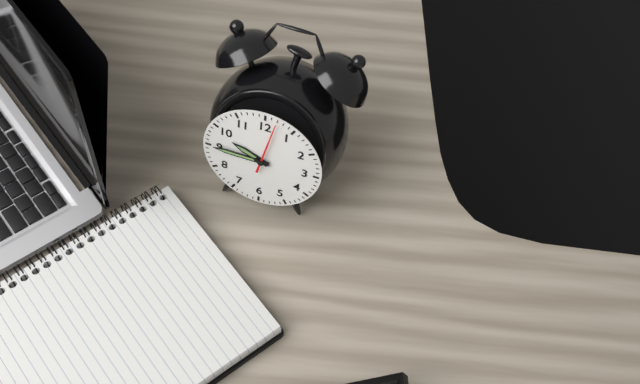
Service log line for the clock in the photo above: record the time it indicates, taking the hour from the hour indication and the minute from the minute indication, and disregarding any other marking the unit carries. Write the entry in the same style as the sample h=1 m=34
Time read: h=9 m=45
